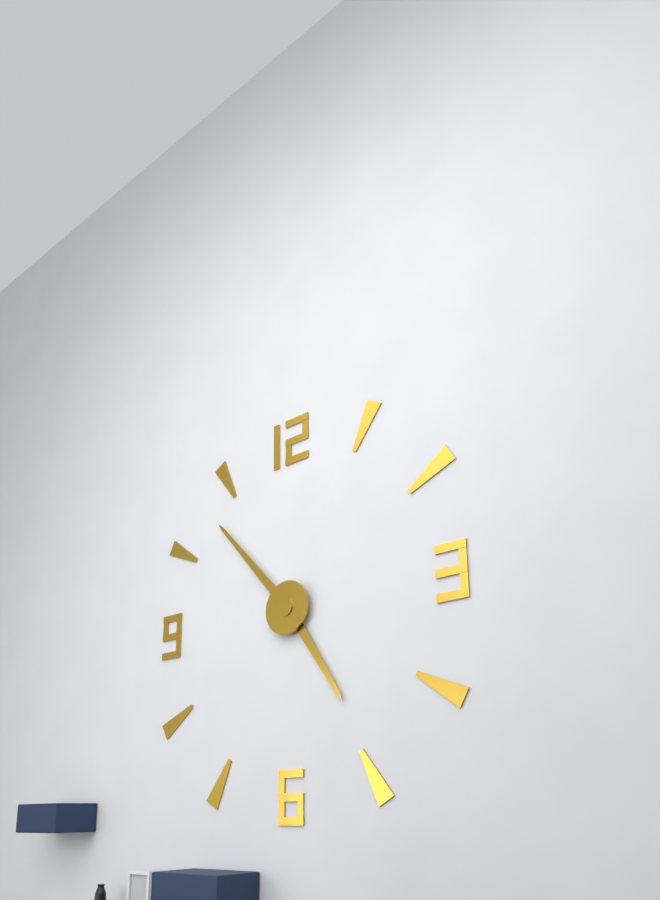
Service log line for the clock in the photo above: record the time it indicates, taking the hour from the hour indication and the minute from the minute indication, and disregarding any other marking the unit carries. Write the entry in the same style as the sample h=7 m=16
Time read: h=4 m=53
